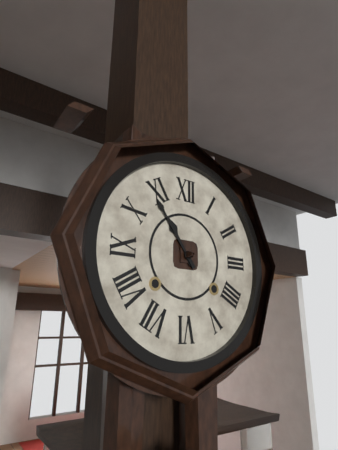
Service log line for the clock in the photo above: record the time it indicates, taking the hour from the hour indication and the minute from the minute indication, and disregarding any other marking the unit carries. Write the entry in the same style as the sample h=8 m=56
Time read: h=10 m=54
